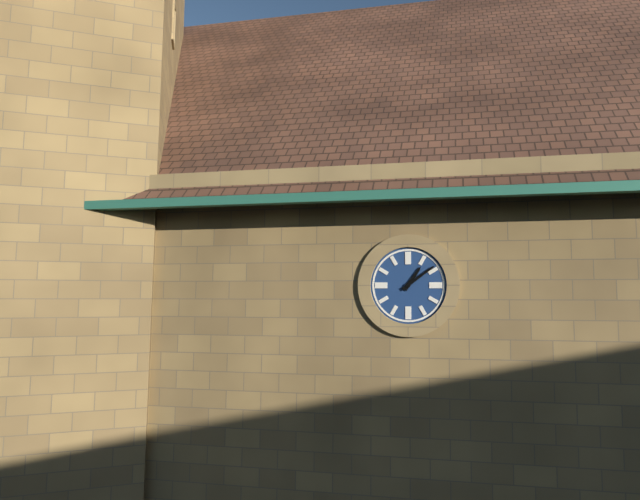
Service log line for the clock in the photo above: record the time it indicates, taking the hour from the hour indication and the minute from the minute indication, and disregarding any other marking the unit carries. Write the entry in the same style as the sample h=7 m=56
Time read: h=1 m=9
